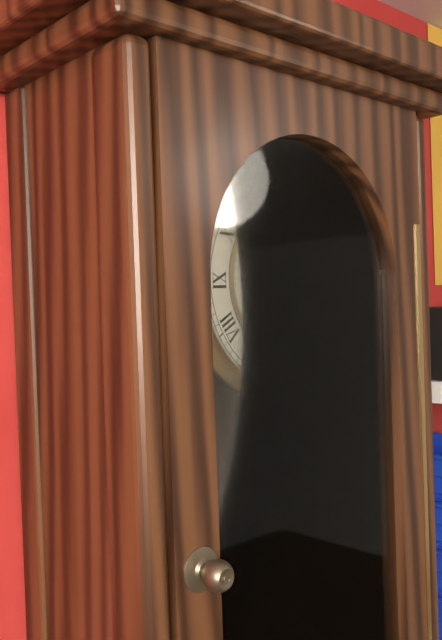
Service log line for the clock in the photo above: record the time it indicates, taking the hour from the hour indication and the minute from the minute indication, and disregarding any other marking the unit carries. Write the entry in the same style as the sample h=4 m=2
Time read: h=11 m=20
